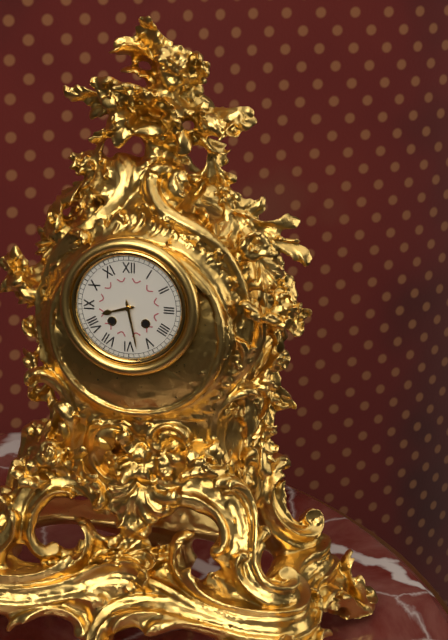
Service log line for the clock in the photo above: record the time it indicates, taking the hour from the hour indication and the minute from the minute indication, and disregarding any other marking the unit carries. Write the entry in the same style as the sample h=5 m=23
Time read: h=8 m=28
